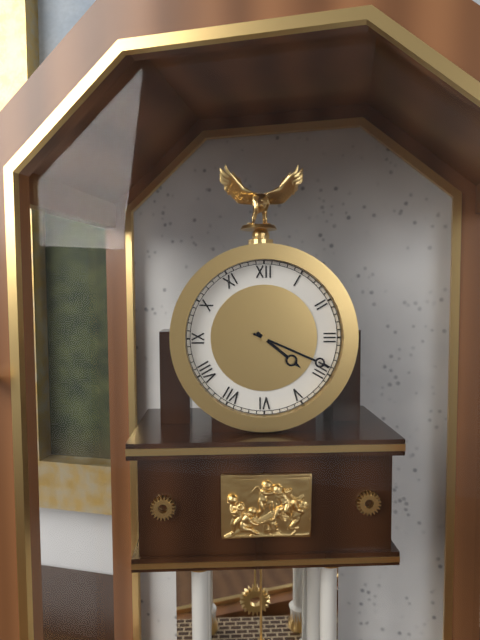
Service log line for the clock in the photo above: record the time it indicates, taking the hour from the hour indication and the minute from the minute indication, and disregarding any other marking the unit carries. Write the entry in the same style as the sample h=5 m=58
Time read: h=4 m=19
